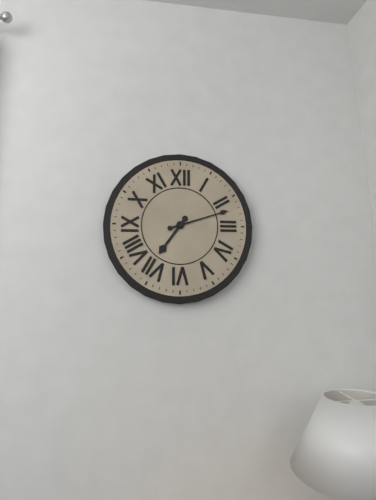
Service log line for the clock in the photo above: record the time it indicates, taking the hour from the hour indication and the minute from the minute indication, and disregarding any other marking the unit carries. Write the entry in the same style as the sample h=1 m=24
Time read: h=7 m=12
